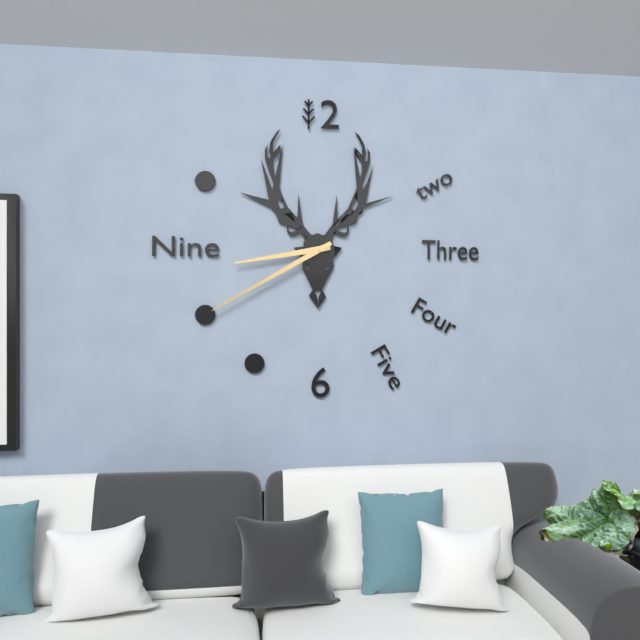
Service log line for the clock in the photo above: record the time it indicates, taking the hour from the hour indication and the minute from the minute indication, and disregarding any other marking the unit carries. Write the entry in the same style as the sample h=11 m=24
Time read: h=8 m=40
